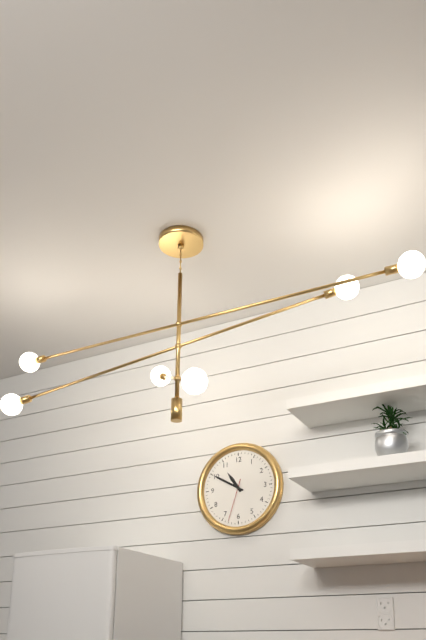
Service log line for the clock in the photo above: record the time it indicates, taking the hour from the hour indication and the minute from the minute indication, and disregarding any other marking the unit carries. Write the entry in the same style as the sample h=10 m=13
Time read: h=10 m=50
